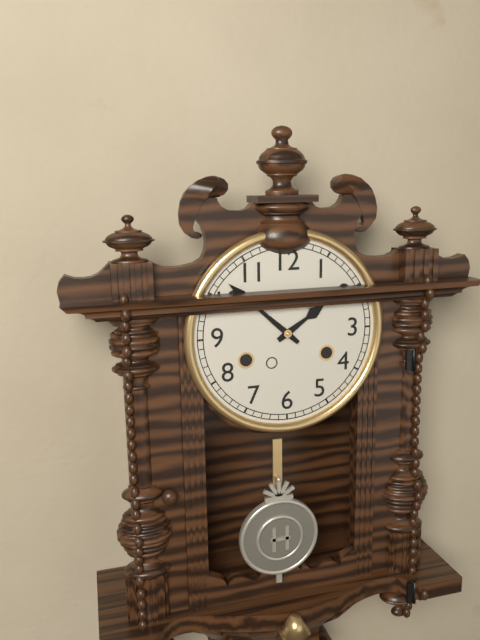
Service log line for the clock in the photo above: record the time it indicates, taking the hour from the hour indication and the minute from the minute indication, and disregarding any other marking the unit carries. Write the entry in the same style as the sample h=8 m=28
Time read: h=1 m=52
